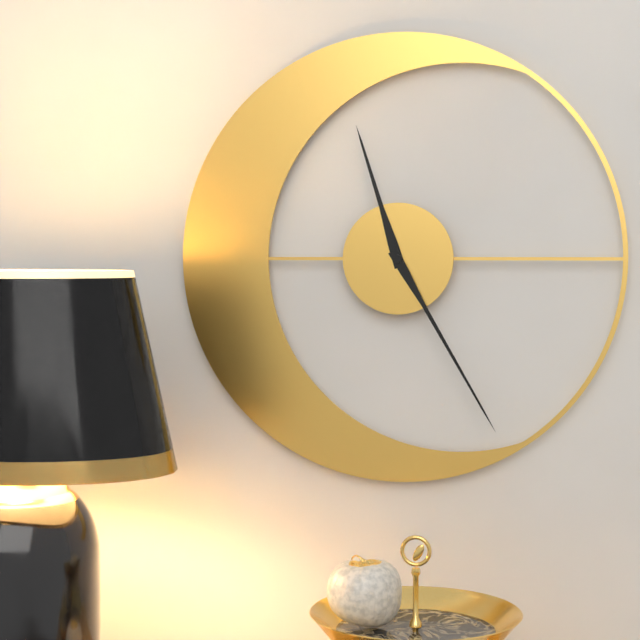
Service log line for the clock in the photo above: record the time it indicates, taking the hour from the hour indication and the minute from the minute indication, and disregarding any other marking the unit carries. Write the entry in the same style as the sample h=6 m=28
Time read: h=11 m=25
